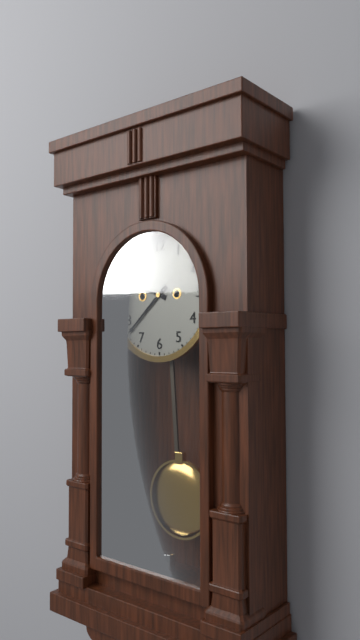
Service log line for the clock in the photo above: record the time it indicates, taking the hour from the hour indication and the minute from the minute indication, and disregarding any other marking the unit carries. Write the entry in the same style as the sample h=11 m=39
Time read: h=9 m=38
